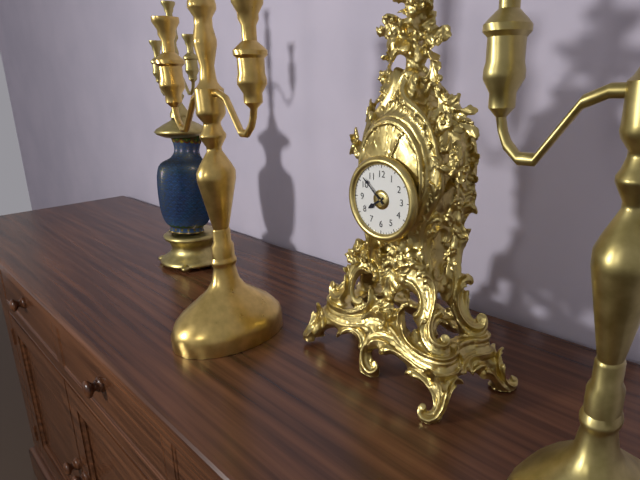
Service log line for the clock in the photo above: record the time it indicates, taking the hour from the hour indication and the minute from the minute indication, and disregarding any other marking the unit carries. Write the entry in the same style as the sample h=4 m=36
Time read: h=7 m=52
